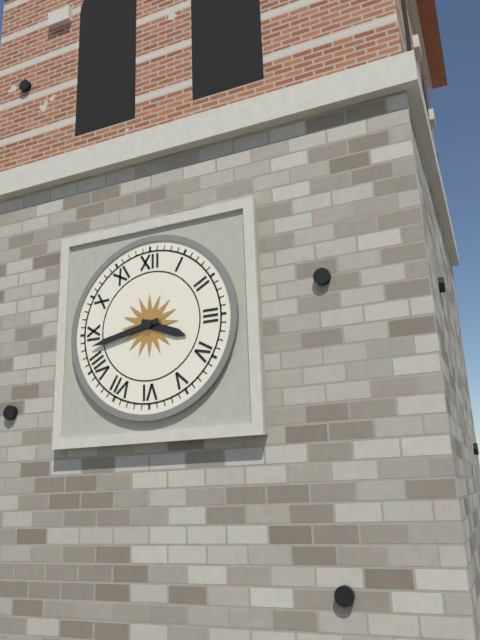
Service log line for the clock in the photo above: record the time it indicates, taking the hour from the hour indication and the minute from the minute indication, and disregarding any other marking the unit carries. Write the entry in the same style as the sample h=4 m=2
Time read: h=3 m=43
